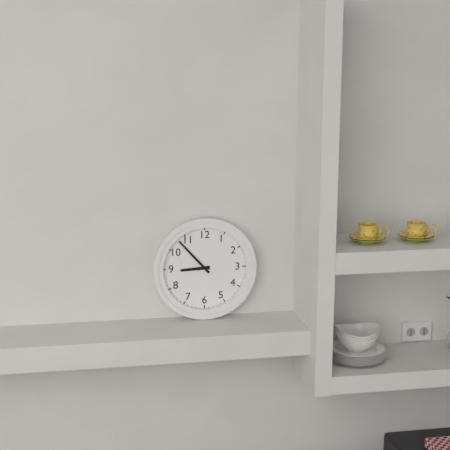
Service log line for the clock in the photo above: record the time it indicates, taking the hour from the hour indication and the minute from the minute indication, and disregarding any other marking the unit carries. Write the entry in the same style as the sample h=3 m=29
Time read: h=8 m=53
